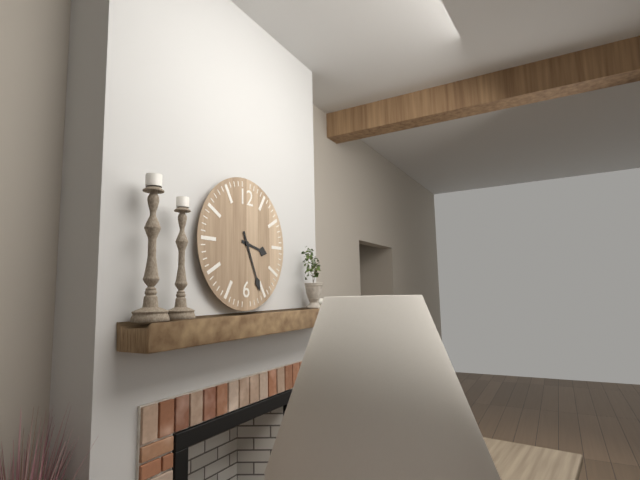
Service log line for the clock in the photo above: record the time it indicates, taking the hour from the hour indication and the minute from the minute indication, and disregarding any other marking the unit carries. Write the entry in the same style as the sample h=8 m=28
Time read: h=3 m=26
